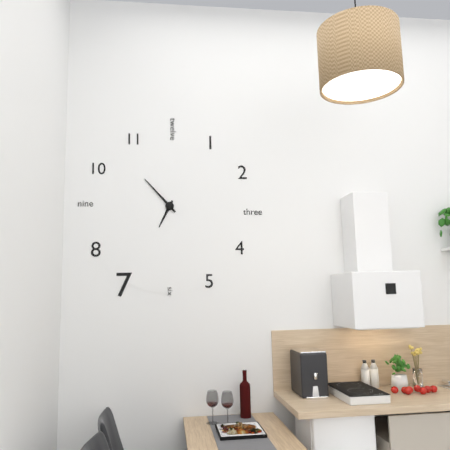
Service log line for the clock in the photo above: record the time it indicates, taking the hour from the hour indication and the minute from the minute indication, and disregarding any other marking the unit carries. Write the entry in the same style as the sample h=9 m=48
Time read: h=6 m=53
